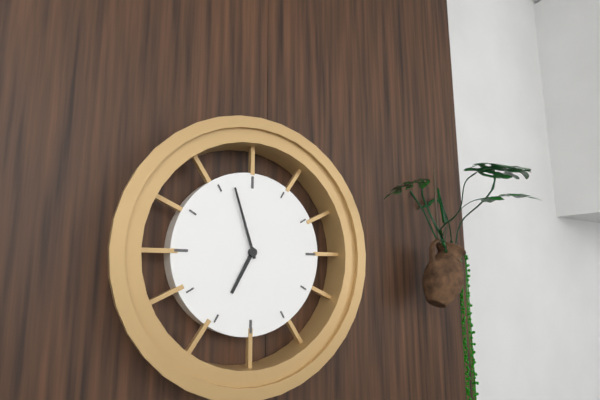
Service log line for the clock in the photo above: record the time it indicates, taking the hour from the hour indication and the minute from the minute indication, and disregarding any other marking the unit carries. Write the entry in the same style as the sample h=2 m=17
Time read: h=6 m=57
